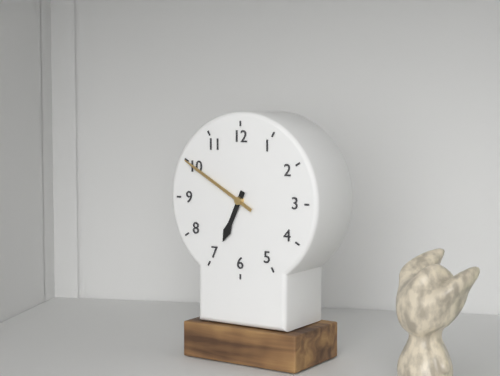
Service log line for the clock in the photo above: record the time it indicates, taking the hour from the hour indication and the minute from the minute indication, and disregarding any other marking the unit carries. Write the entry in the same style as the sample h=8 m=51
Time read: h=6 m=50
